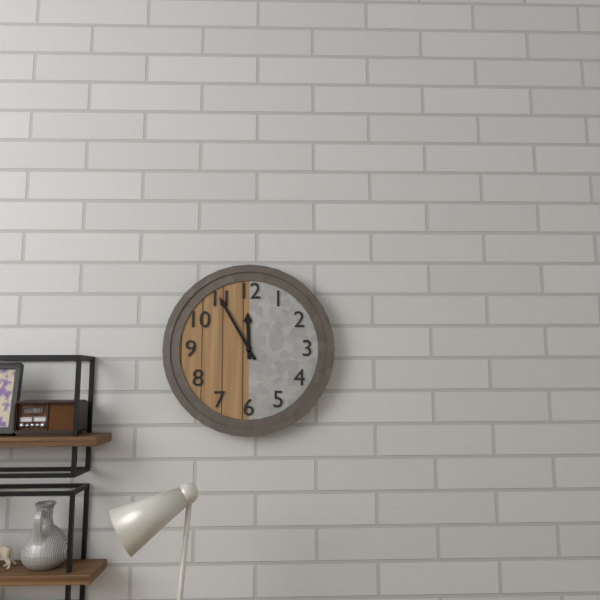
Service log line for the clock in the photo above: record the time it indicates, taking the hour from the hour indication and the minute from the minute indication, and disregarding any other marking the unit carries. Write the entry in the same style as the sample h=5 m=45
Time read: h=11 m=55
